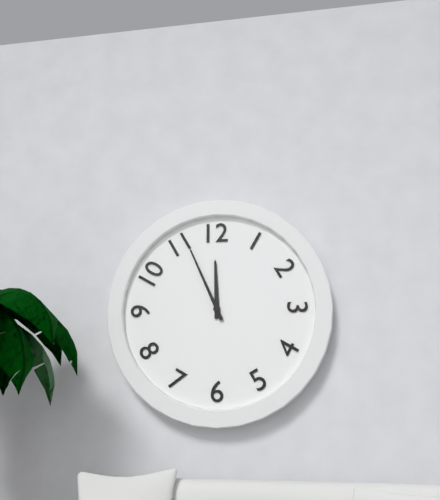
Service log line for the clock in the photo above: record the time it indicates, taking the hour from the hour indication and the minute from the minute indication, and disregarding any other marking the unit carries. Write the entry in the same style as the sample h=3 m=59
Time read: h=11 m=56
